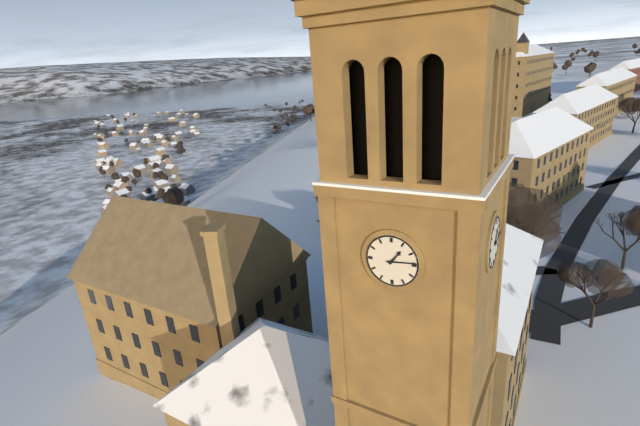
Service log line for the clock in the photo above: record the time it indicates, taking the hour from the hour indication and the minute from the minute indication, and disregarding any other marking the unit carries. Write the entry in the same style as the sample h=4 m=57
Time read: h=1 m=14
